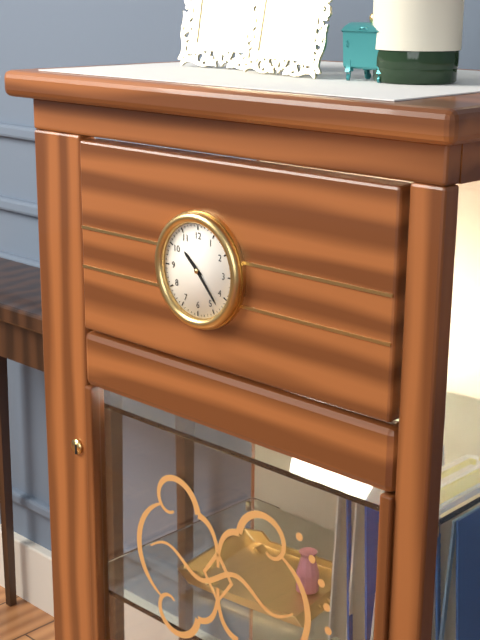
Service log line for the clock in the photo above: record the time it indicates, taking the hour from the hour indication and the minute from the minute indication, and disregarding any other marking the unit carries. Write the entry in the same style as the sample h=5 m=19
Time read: h=10 m=23
